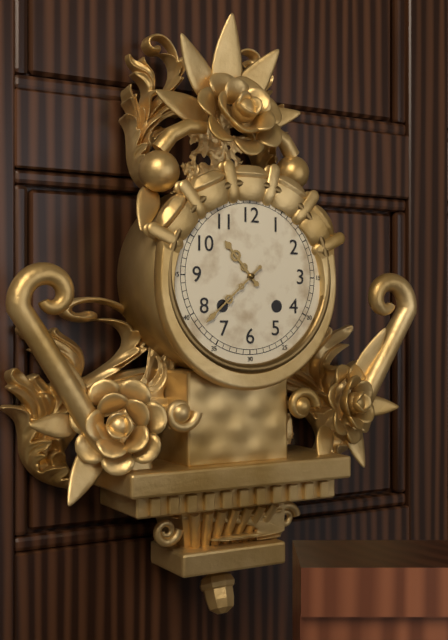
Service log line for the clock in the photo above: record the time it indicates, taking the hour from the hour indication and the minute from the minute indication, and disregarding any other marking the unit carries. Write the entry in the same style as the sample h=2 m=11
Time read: h=10 m=38
